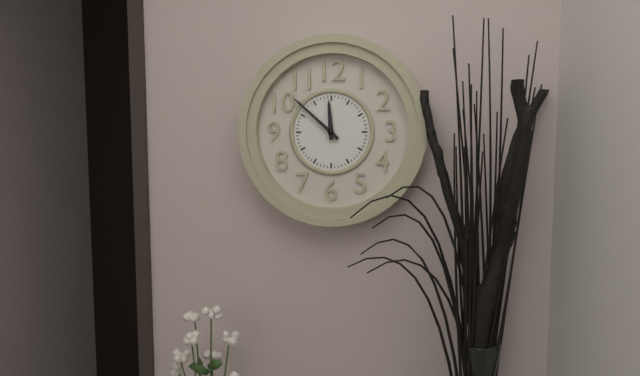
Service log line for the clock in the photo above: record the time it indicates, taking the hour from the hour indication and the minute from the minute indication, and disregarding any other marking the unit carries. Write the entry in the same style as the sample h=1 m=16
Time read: h=11 m=52
